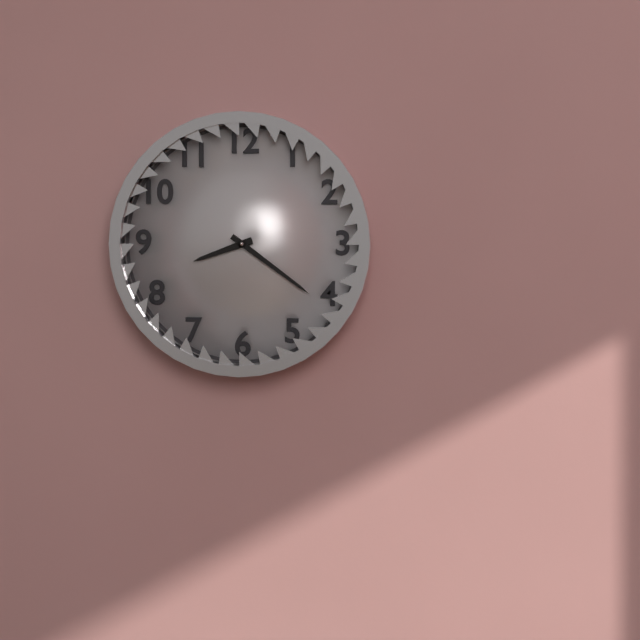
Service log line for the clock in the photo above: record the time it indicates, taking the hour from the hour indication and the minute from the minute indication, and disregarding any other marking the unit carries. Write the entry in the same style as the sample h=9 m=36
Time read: h=8 m=21
